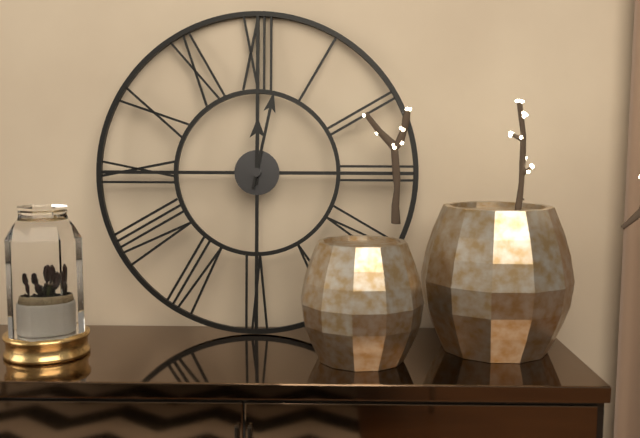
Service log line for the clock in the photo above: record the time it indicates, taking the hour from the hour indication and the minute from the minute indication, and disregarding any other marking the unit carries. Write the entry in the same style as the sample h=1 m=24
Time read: h=12 m=2
